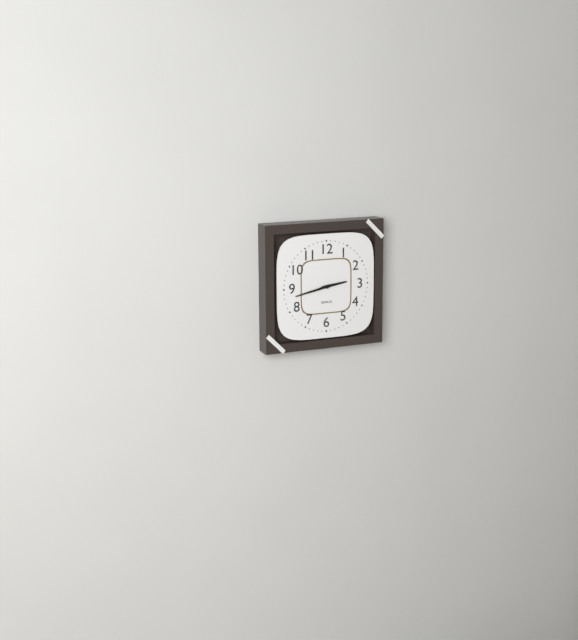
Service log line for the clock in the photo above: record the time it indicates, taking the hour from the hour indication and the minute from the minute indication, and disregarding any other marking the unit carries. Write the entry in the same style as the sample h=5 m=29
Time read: h=2 m=43
